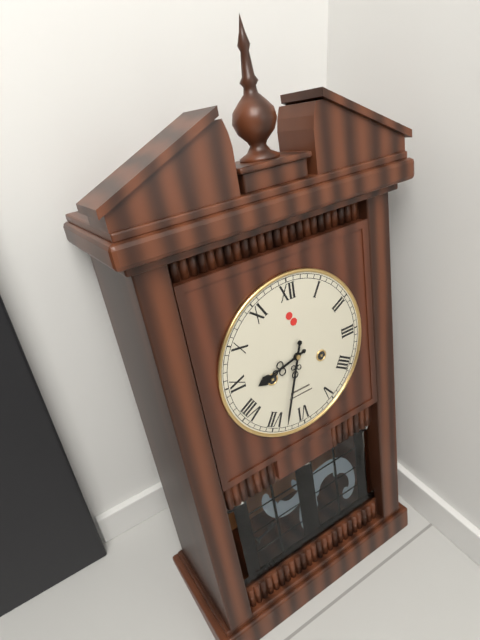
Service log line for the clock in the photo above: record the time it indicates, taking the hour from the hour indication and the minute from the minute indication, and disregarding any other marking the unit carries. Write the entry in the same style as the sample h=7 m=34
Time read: h=8 m=33
